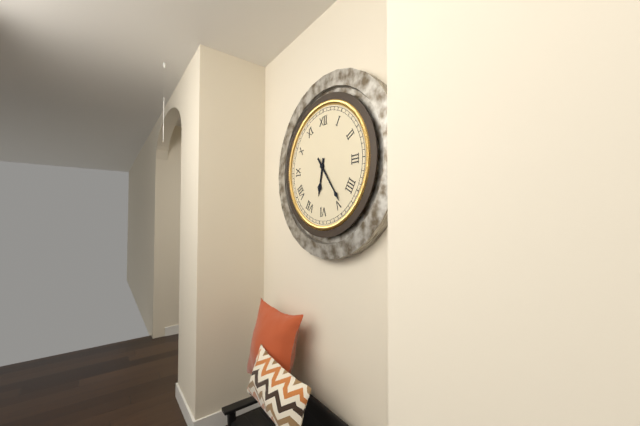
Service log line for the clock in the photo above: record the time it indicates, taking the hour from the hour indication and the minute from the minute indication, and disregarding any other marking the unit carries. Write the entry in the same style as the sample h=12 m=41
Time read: h=6 m=24
